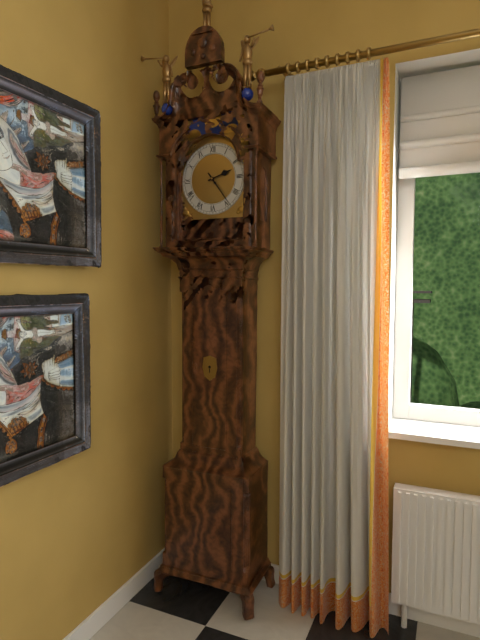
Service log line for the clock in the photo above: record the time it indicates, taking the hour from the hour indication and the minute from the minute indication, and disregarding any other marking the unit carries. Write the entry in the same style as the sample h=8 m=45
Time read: h=2 m=24
